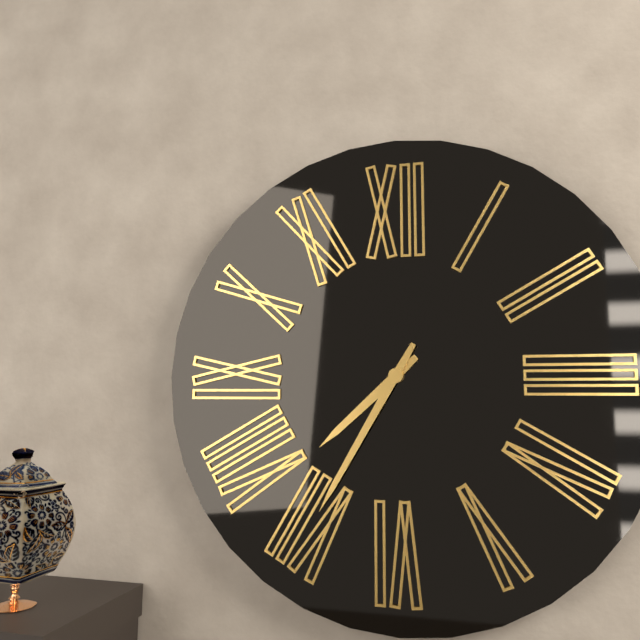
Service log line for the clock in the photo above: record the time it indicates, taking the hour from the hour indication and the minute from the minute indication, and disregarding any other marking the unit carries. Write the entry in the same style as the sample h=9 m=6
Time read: h=7 m=35
